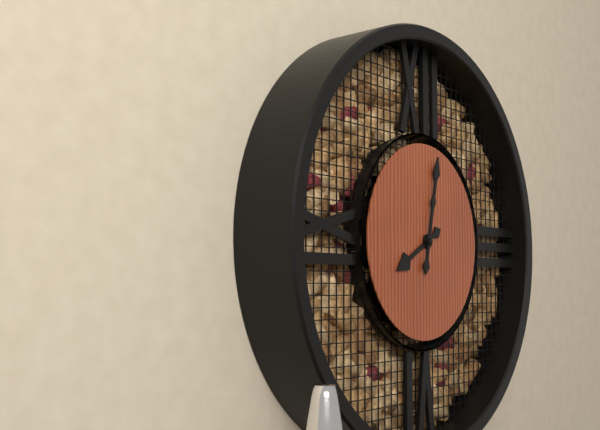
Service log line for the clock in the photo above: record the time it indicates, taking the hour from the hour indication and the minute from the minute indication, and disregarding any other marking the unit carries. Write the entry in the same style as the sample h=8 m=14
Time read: h=8 m=2
